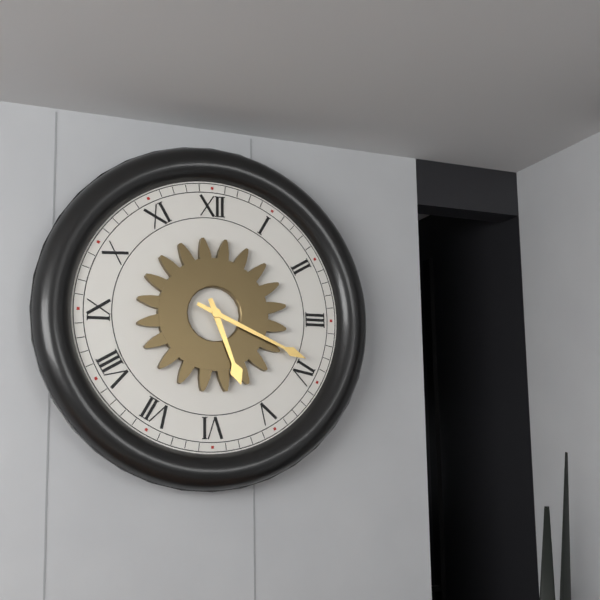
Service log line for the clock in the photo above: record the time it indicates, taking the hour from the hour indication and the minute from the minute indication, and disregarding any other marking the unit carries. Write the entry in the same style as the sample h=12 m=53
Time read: h=5 m=19
